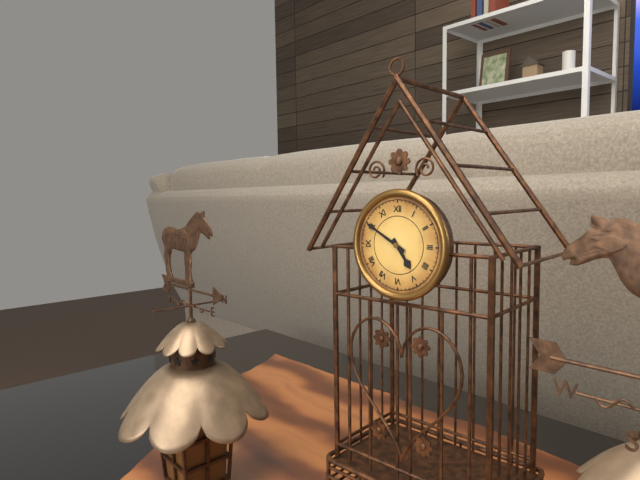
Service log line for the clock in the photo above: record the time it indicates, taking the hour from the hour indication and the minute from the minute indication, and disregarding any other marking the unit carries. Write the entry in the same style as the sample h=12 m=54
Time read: h=4 m=50
